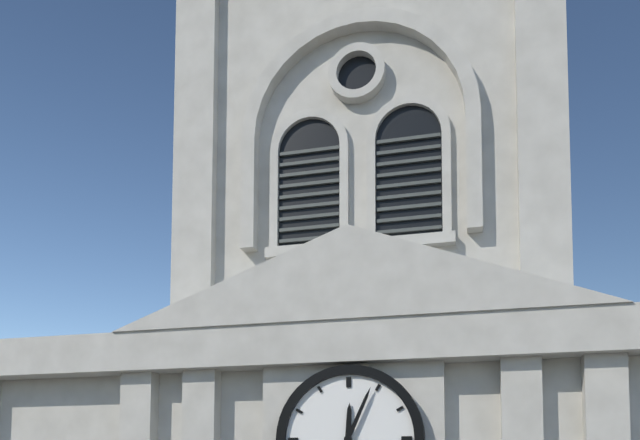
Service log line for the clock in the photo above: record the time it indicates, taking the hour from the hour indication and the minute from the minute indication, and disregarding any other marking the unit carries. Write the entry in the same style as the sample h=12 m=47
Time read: h=12 m=4
